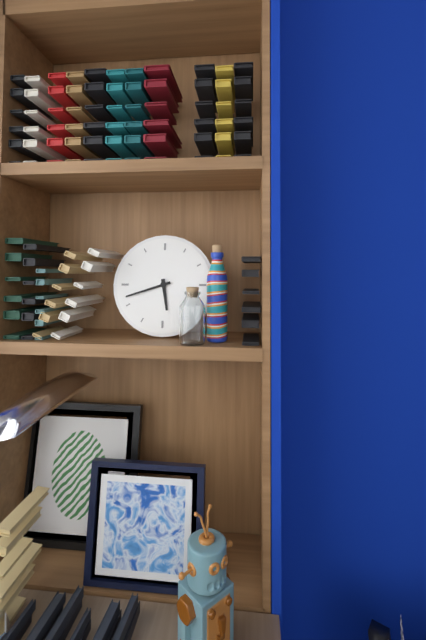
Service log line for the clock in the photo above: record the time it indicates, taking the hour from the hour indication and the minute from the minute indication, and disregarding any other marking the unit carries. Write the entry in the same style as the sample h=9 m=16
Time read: h=5 m=42
